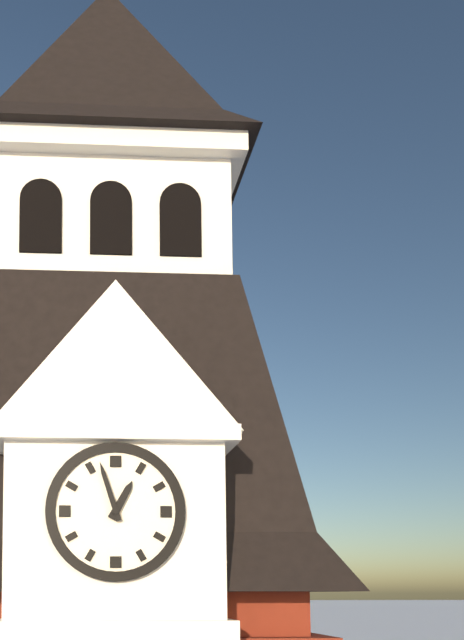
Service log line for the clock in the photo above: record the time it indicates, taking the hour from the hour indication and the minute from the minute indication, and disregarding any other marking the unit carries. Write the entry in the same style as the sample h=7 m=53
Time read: h=12 m=57
